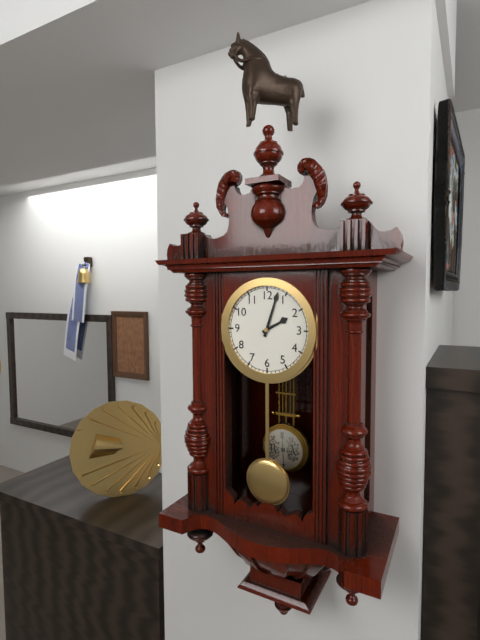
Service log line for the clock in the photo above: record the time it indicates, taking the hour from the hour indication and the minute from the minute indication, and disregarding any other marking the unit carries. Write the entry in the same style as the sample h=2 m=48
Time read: h=2 m=3
